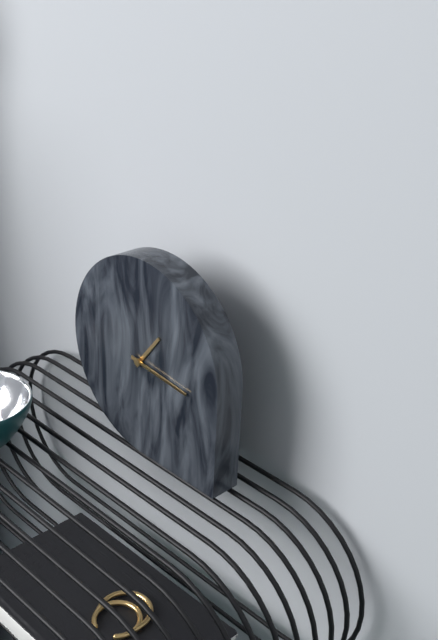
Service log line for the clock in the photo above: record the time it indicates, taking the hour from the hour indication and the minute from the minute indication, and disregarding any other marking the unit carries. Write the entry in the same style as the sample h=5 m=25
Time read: h=1 m=16
